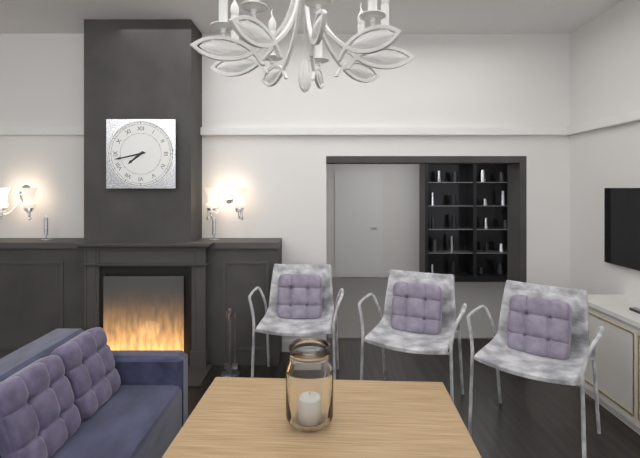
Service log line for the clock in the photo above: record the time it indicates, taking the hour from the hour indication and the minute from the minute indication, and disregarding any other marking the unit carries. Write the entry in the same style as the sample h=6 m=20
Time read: h=7 m=43
